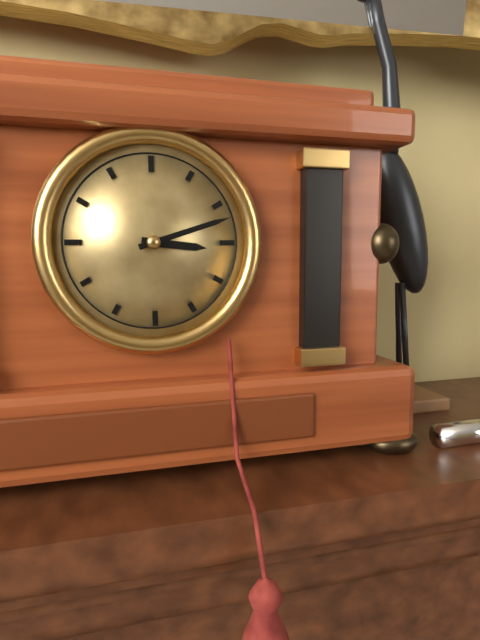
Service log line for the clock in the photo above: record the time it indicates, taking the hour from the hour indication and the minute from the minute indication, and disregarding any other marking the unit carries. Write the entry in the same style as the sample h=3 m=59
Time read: h=3 m=12
